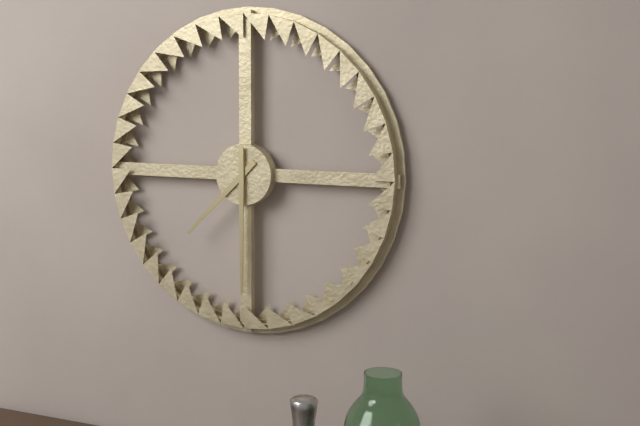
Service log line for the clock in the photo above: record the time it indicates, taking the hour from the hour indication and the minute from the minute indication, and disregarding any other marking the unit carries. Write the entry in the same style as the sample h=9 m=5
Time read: h=7 m=30
